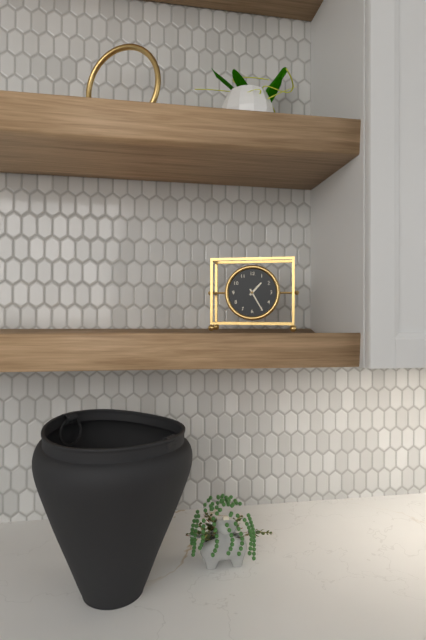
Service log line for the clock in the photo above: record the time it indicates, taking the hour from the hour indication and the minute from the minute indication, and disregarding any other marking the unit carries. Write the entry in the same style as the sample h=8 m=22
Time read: h=1 m=25
